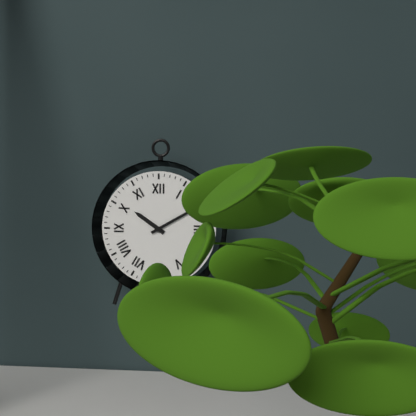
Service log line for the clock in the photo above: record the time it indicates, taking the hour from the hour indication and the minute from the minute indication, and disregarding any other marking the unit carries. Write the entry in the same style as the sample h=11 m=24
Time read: h=10 m=10
